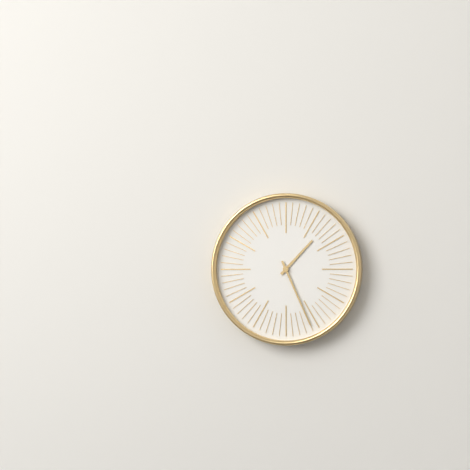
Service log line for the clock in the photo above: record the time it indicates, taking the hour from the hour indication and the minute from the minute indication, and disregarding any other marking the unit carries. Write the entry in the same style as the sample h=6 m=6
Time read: h=1 m=26
